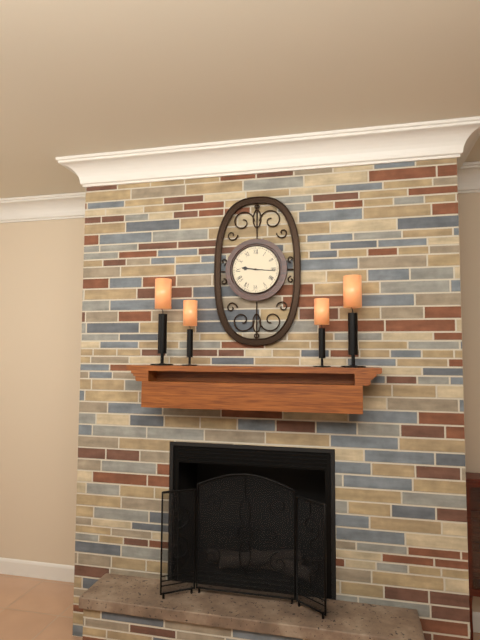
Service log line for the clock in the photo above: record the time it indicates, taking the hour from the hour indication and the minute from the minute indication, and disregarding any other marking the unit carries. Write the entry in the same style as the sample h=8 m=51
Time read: h=9 m=16
